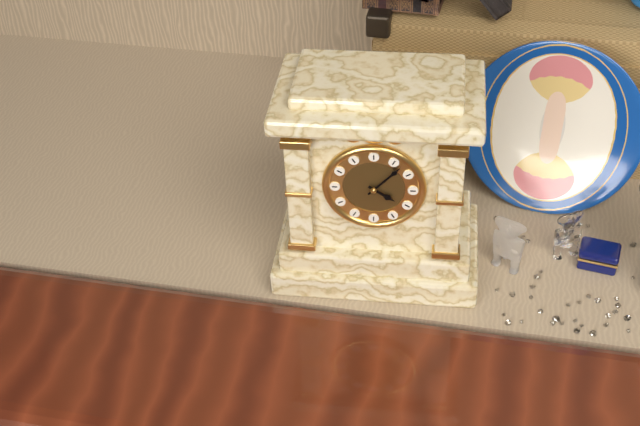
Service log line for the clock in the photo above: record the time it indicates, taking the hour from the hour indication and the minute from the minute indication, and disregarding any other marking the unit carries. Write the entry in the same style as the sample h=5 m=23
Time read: h=4 m=7
